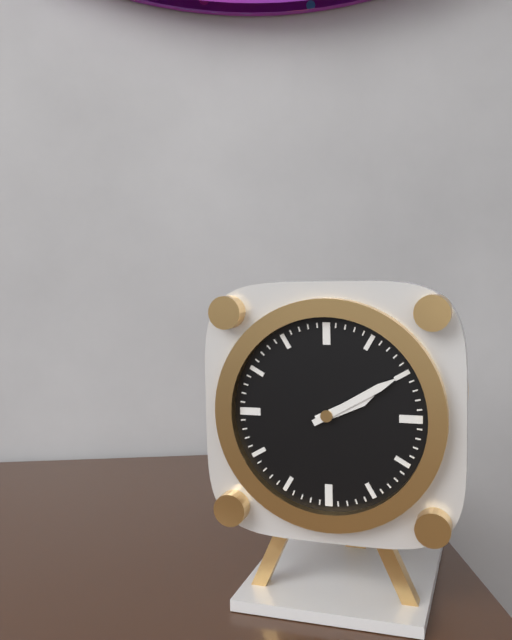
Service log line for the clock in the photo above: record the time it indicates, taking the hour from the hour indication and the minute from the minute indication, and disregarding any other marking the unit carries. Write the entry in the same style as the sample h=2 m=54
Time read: h=2 m=10
